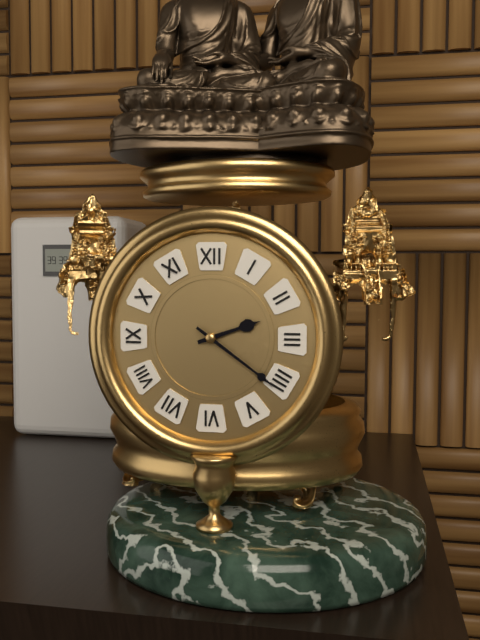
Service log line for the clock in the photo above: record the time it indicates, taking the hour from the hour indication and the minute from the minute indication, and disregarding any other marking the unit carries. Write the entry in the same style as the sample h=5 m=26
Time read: h=2 m=21
